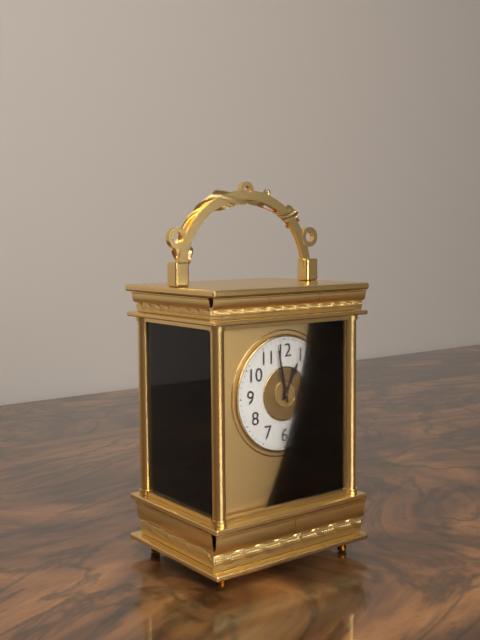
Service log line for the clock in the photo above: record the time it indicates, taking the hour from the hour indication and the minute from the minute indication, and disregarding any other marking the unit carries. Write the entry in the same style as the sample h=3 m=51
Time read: h=12 m=58
